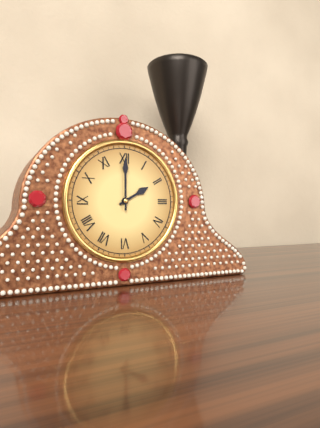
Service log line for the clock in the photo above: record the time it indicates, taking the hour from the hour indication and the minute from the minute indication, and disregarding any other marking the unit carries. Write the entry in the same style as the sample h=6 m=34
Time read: h=2 m=0
